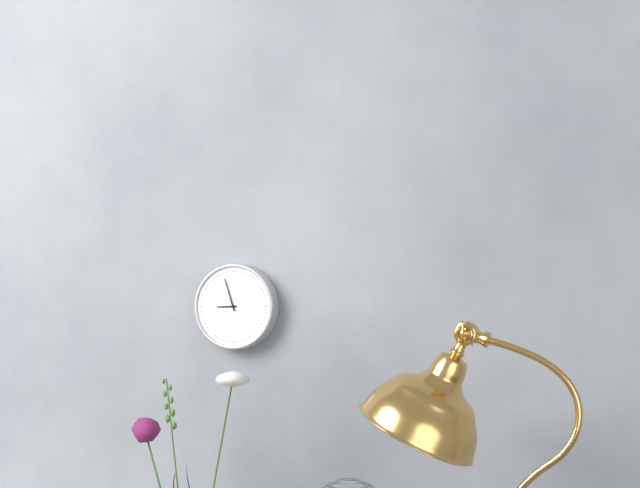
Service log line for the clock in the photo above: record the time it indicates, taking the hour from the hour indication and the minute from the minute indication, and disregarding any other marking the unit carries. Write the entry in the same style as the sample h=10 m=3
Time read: h=8 m=57
